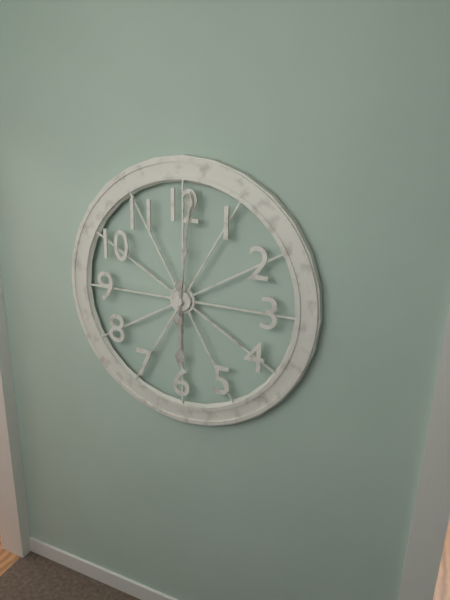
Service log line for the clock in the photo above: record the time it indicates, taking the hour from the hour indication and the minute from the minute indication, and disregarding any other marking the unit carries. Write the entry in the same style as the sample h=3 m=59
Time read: h=6 m=1
